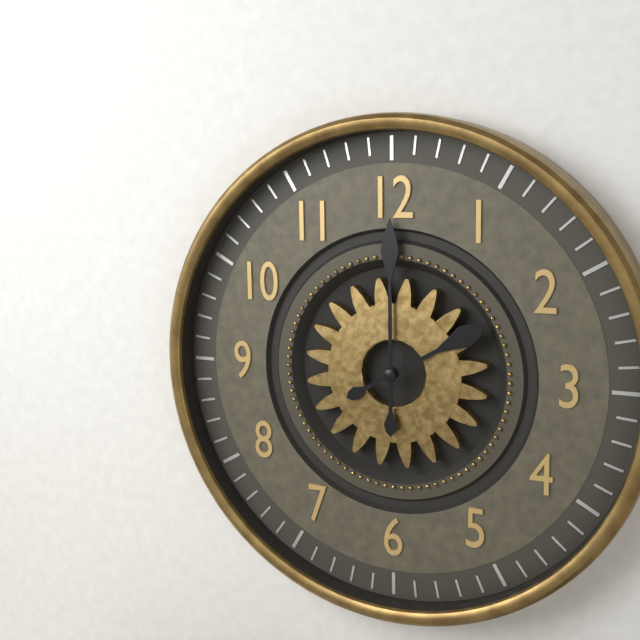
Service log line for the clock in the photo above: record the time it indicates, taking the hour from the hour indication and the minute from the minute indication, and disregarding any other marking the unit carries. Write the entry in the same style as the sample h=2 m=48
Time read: h=2 m=0
